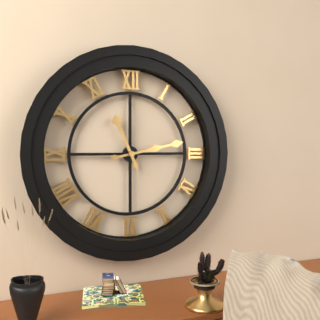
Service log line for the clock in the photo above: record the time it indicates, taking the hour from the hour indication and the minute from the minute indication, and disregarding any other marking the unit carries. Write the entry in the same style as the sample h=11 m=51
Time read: h=11 m=13
